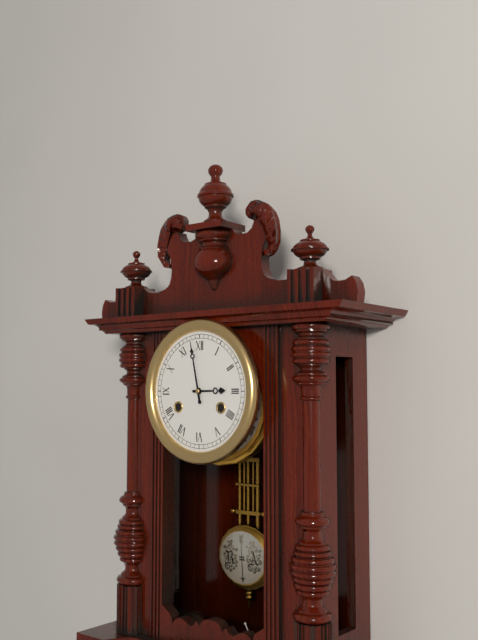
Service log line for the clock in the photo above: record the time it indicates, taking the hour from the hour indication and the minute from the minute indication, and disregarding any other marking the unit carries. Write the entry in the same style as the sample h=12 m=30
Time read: h=2 m=58
